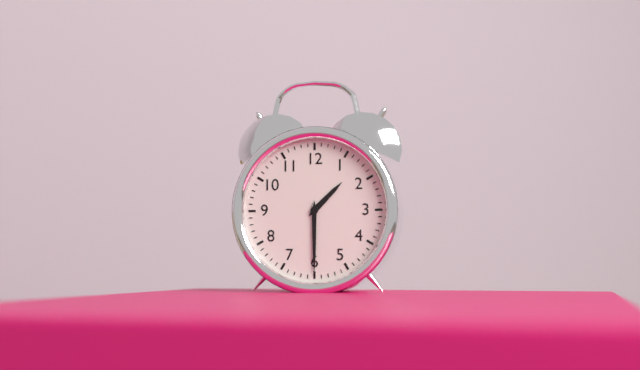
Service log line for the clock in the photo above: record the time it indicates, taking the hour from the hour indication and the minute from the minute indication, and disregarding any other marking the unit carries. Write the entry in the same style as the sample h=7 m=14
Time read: h=1 m=30
